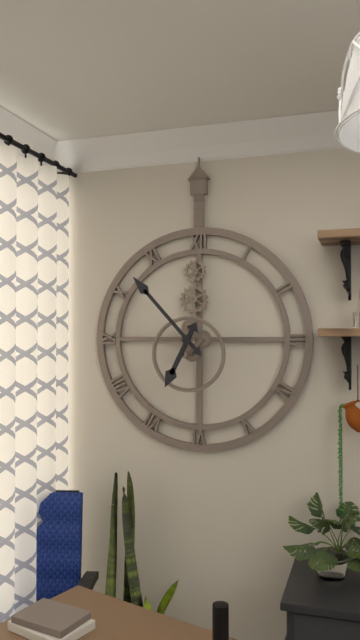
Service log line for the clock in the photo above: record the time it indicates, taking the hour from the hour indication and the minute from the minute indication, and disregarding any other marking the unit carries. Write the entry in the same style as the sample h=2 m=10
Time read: h=6 m=53
